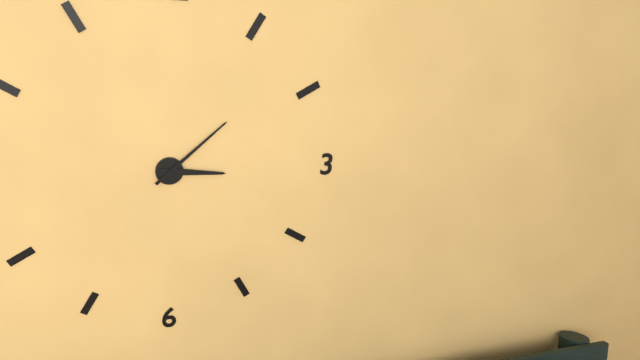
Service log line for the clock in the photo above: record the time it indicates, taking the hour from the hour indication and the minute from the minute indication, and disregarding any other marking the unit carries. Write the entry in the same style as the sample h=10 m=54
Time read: h=3 m=8
